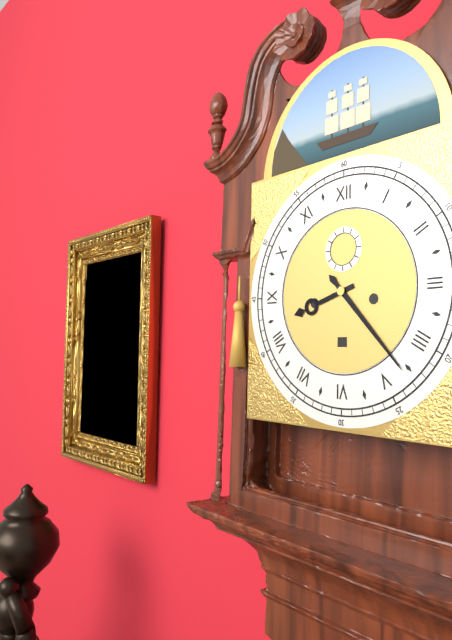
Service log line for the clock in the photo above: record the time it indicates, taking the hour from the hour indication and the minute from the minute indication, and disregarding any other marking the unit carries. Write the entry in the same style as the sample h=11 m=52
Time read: h=8 m=23
